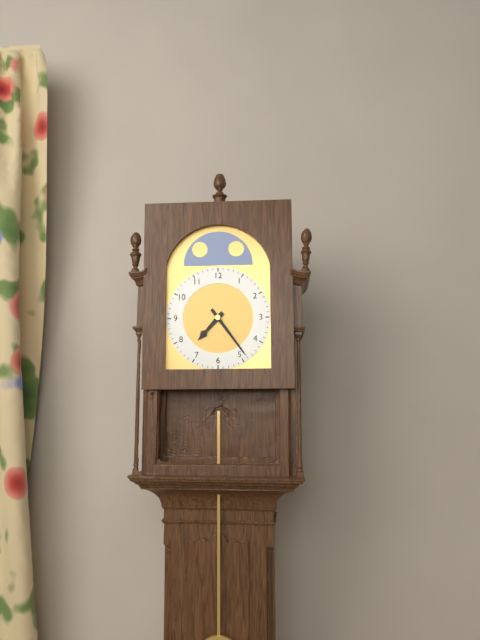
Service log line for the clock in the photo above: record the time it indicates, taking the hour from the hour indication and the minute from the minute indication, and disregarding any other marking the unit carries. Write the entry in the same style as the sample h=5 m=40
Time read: h=7 m=24
